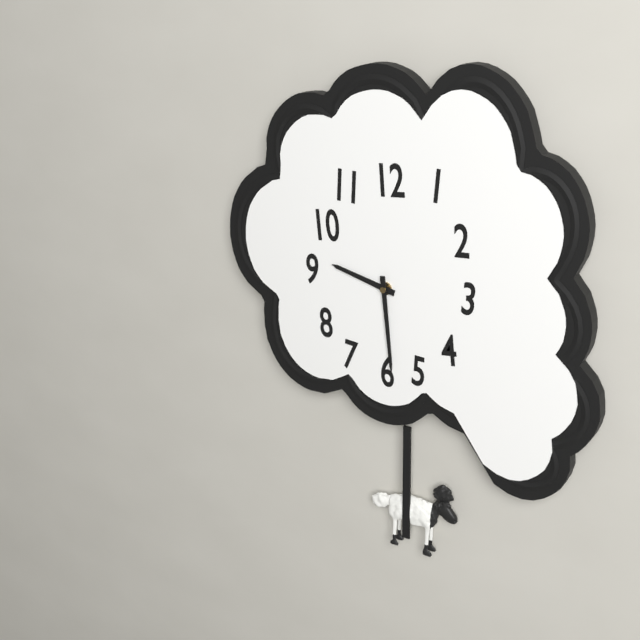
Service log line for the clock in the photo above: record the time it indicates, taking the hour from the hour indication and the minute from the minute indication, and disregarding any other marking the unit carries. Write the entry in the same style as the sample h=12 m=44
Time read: h=9 m=29
